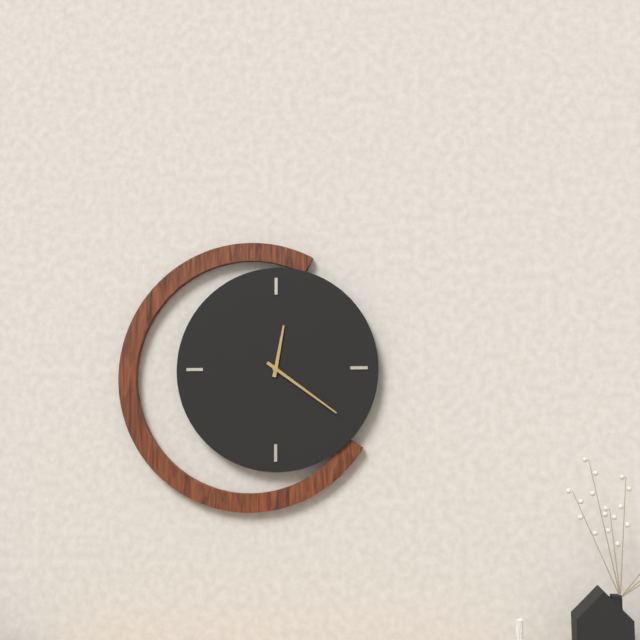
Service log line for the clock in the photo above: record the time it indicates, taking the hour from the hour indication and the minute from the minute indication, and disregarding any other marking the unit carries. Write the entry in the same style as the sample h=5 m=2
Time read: h=12 m=21
